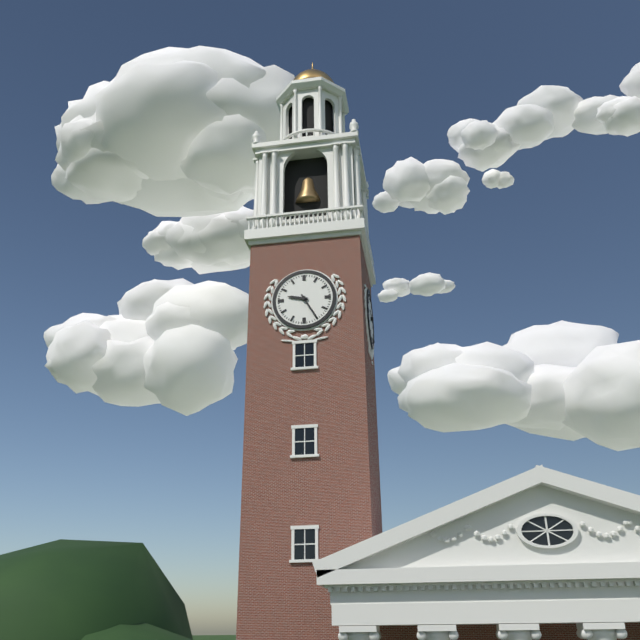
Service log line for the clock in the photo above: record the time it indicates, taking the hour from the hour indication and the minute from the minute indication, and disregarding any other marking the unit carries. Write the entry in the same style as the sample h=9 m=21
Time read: h=9 m=25
